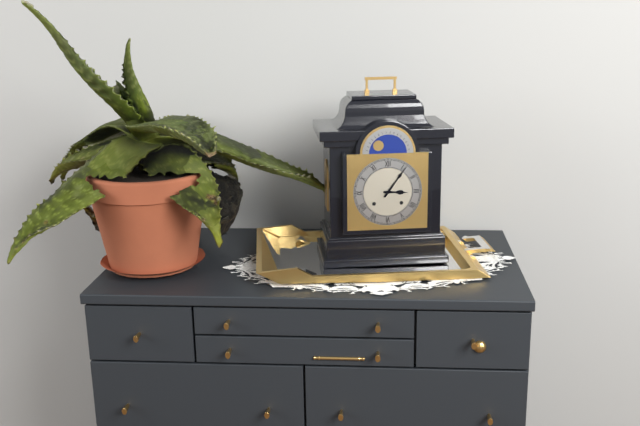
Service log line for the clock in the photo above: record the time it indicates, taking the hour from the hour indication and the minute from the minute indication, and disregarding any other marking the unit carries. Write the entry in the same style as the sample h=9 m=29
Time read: h=3 m=6
